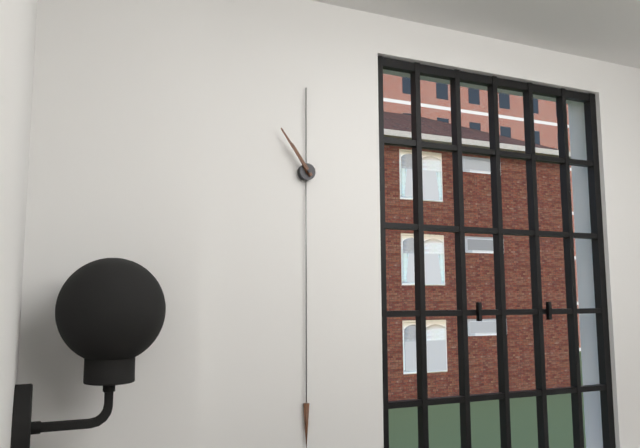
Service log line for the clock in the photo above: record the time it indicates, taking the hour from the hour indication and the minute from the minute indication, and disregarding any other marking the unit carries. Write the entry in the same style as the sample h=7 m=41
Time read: h=10 m=54
